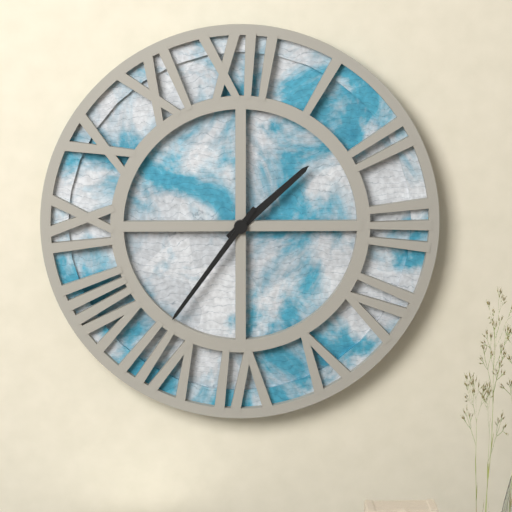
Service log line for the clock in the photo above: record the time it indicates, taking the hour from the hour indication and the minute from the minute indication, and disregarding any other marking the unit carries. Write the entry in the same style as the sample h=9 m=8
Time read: h=1 m=36
